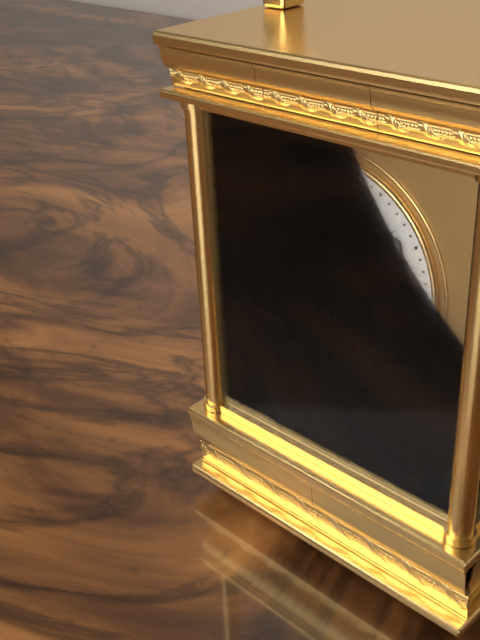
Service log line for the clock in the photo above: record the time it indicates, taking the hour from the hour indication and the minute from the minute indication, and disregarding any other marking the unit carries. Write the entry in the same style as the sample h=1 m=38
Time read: h=1 m=8
